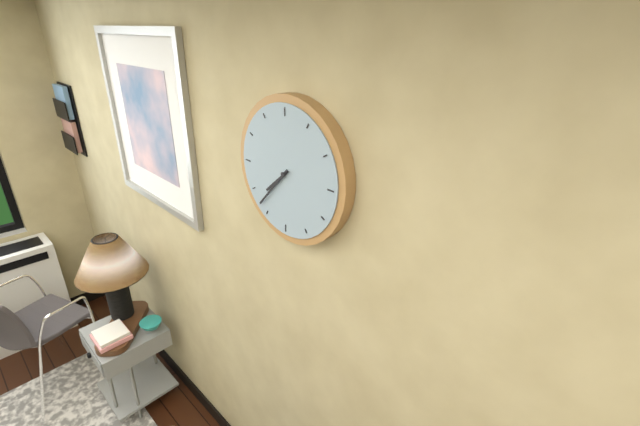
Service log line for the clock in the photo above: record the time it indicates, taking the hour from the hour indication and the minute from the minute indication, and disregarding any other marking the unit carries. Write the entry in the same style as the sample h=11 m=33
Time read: h=7 m=37
